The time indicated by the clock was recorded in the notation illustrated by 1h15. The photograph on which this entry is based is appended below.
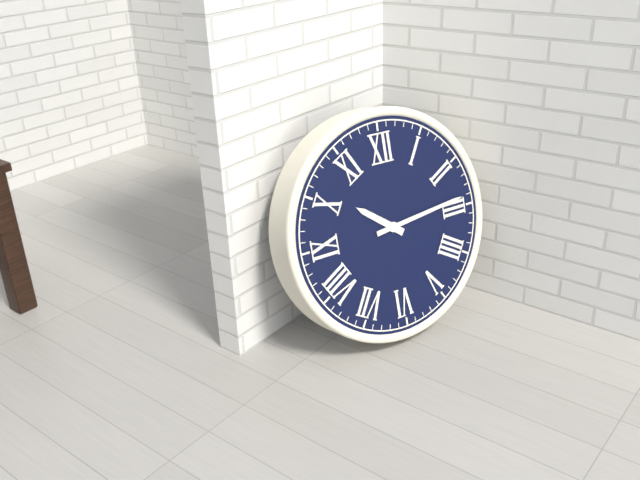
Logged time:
10h14
